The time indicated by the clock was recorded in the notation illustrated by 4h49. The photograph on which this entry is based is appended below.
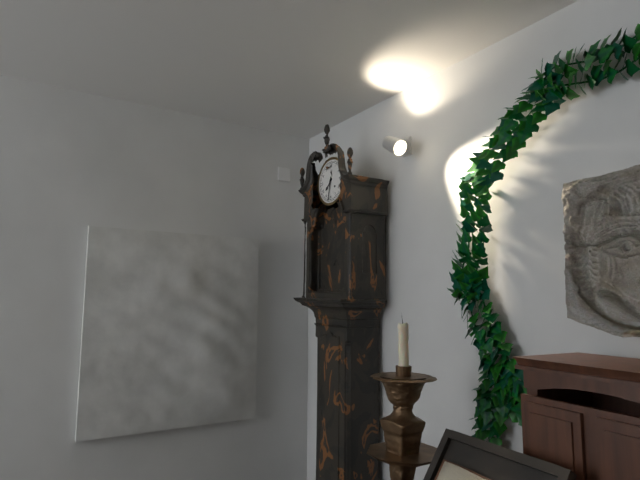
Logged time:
7h32
